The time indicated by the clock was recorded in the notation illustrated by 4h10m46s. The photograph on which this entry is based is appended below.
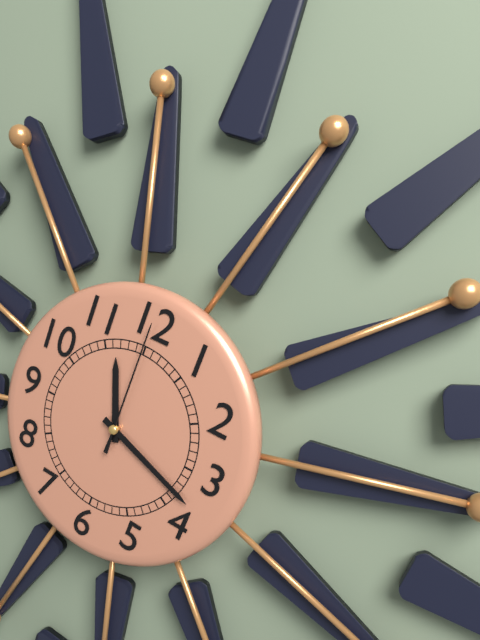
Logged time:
11h18m00s
